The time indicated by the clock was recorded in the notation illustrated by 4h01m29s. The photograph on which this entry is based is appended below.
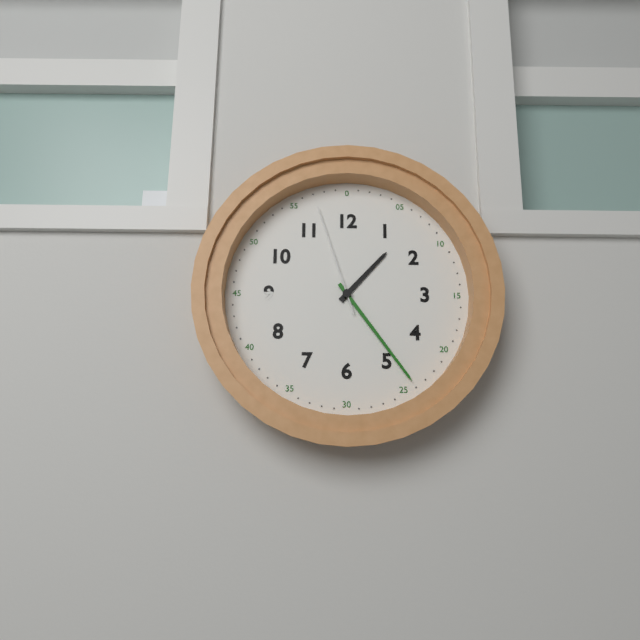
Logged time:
1h24m57s
